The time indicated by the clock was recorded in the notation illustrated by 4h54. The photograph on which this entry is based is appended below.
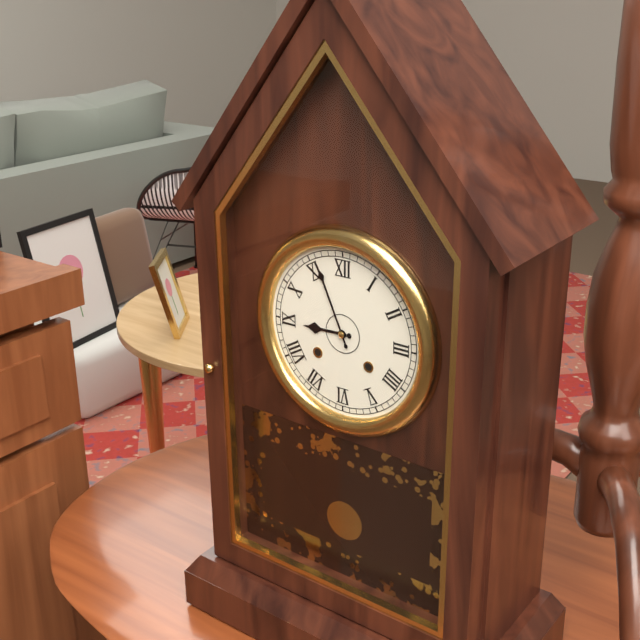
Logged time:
8h56
